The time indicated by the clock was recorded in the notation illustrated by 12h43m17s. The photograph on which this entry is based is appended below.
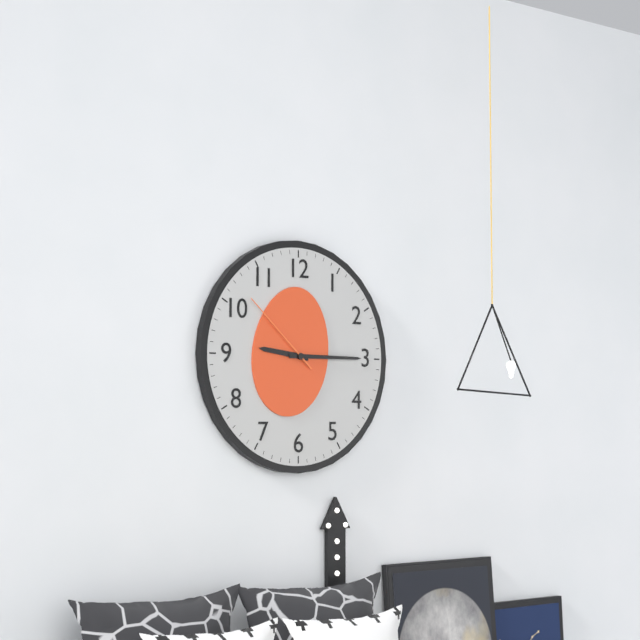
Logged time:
9h15m52s
